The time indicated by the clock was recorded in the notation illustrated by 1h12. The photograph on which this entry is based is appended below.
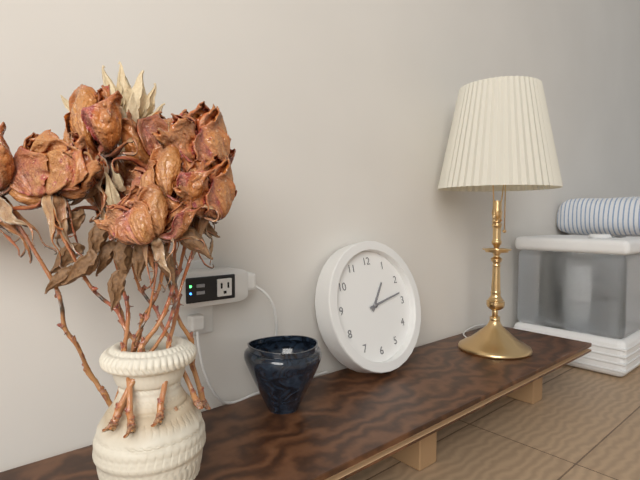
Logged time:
1h13
